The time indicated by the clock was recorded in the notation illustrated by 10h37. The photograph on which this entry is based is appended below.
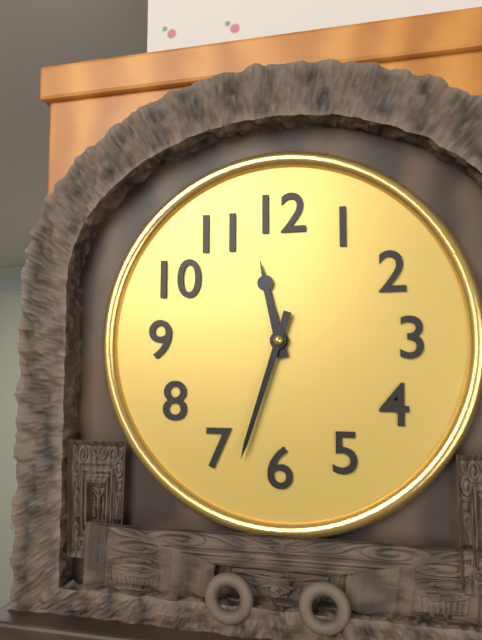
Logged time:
11h33
